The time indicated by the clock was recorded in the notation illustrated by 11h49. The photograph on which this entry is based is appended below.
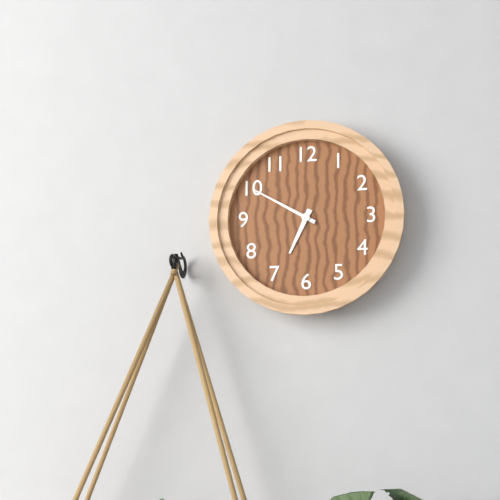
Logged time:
6h50
